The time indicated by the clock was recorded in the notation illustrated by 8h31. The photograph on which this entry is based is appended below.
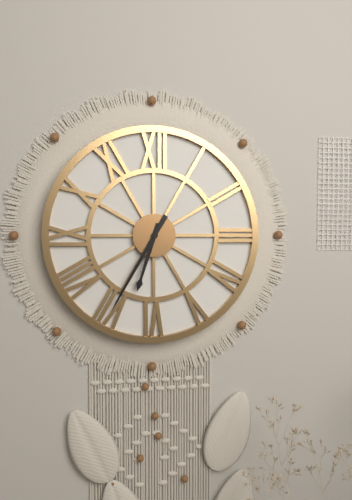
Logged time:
6h35
